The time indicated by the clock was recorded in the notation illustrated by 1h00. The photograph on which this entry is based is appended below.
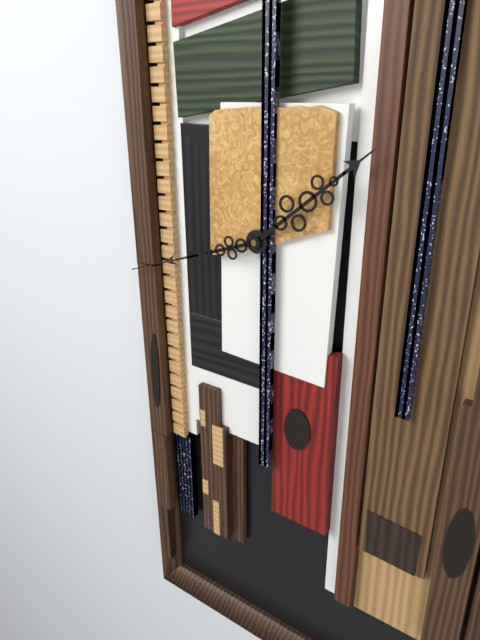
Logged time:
1h42
